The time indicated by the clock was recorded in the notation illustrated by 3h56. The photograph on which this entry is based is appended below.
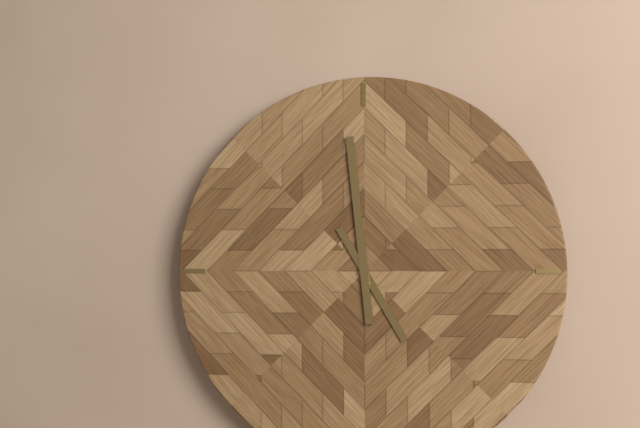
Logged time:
4h59
